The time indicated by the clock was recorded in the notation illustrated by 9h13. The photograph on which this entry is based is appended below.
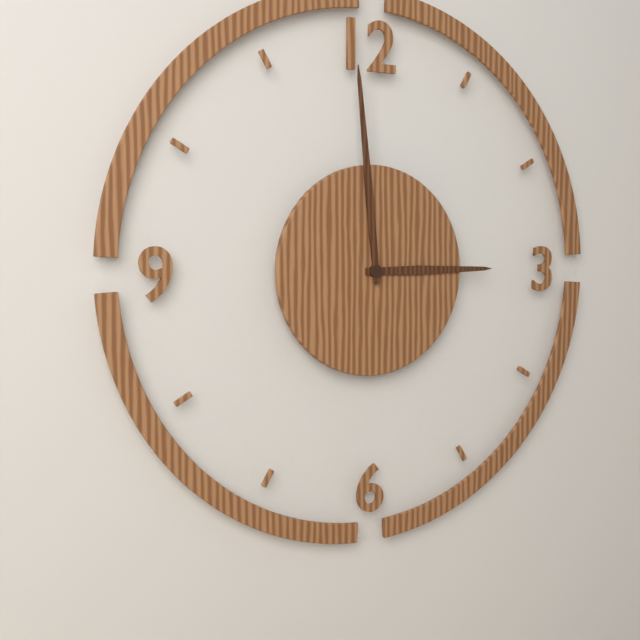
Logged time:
2h59
